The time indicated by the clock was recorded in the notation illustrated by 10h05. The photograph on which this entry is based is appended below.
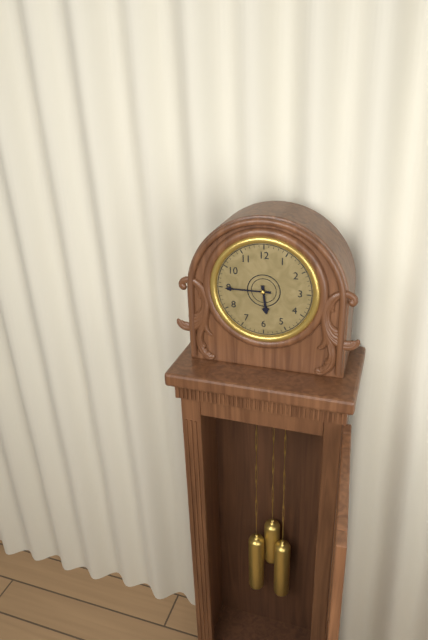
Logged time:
5h45
